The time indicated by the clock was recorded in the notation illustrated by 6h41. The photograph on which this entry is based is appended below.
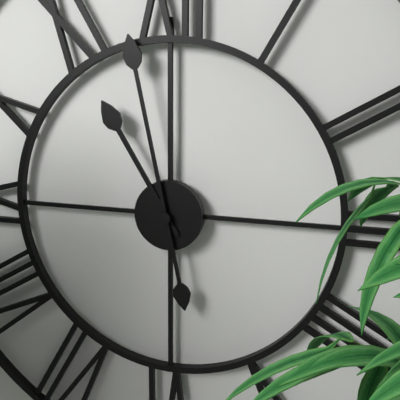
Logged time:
10h58
